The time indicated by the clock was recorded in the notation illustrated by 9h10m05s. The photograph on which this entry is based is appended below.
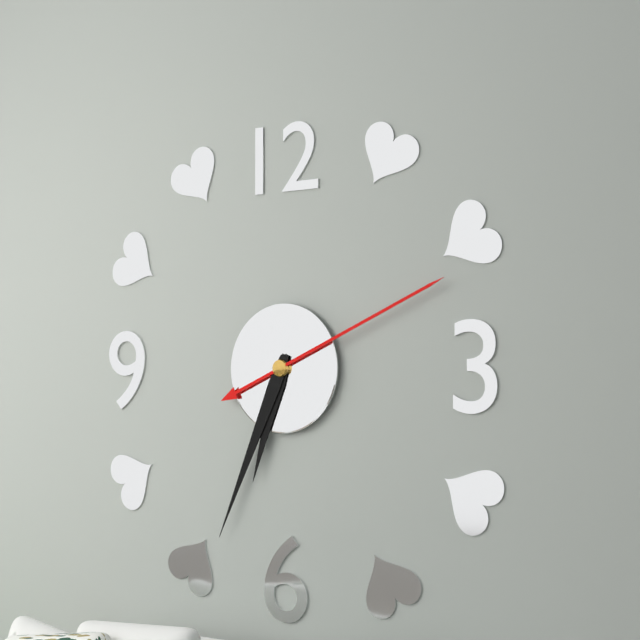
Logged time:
6h34m11s
